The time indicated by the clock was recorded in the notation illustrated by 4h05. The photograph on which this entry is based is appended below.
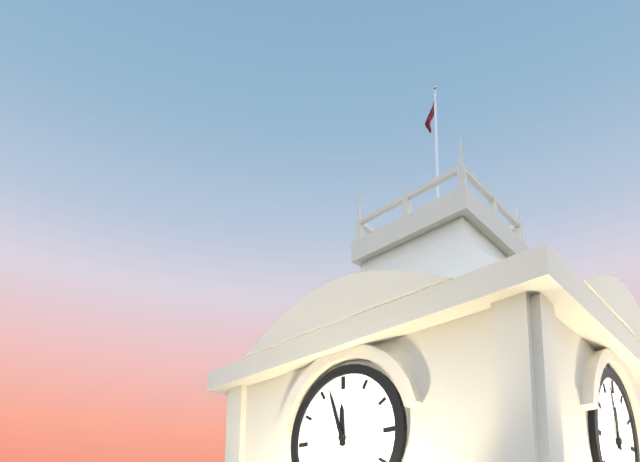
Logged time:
11h57
